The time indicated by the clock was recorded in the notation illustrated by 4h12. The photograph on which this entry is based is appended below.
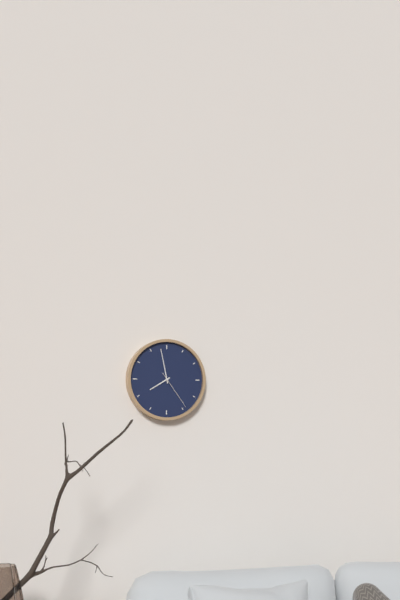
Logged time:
7h58
